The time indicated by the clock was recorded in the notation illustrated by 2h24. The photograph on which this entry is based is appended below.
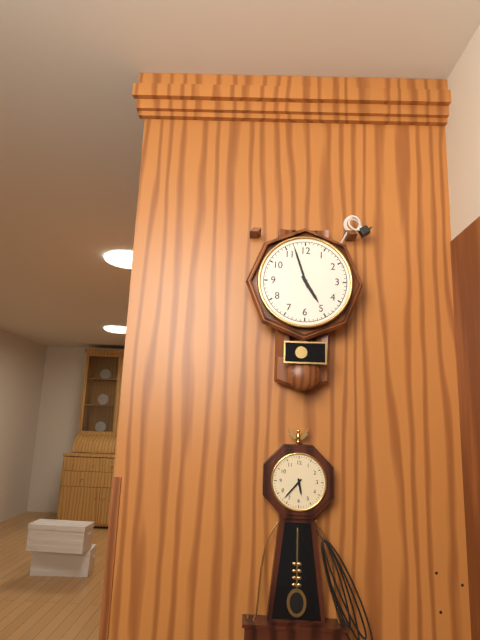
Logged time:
4h57
